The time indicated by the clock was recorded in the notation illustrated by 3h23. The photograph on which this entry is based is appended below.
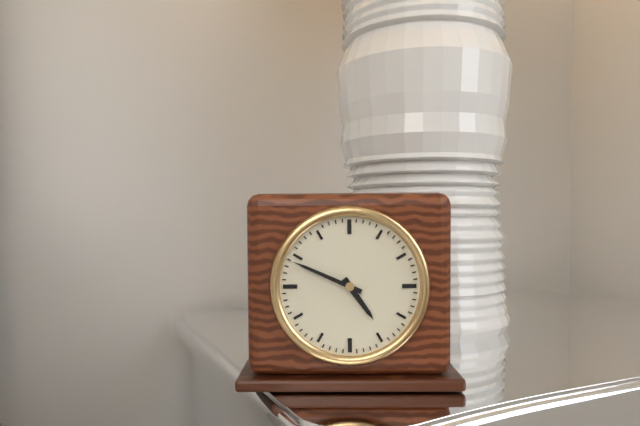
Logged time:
4h49
